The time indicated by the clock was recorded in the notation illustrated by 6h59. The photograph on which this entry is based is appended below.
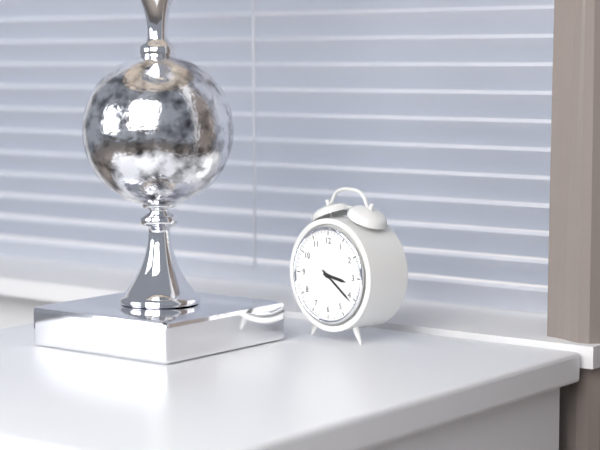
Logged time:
3h21
